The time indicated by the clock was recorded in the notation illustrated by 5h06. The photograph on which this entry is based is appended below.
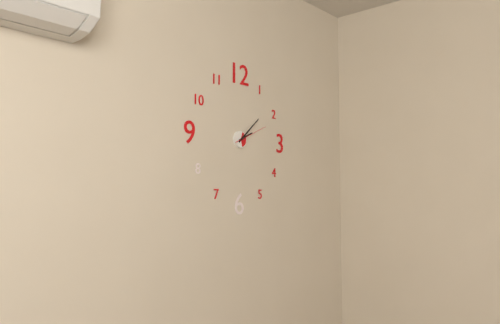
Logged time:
2h08
